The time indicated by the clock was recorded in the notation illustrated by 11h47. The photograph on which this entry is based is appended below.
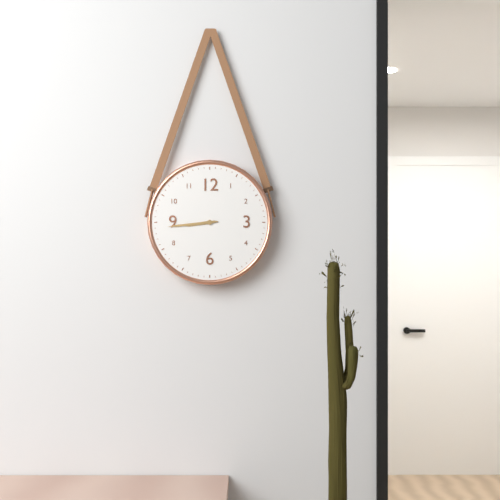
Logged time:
8h44
